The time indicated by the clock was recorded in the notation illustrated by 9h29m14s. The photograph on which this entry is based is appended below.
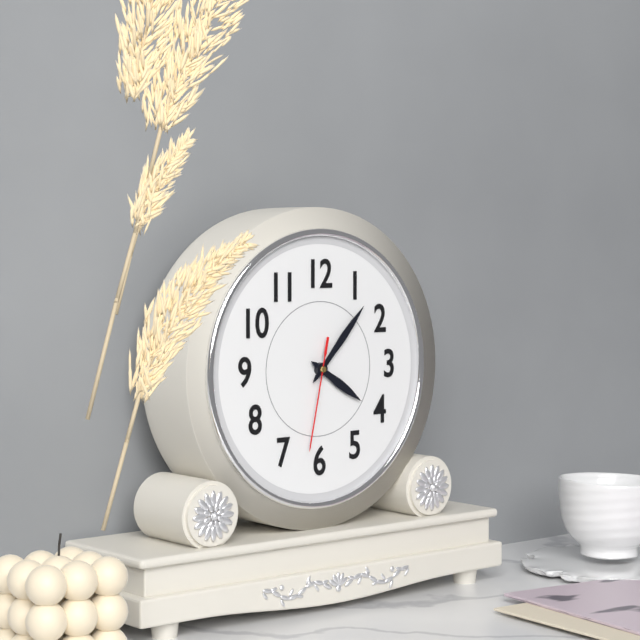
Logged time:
4h07m32s
